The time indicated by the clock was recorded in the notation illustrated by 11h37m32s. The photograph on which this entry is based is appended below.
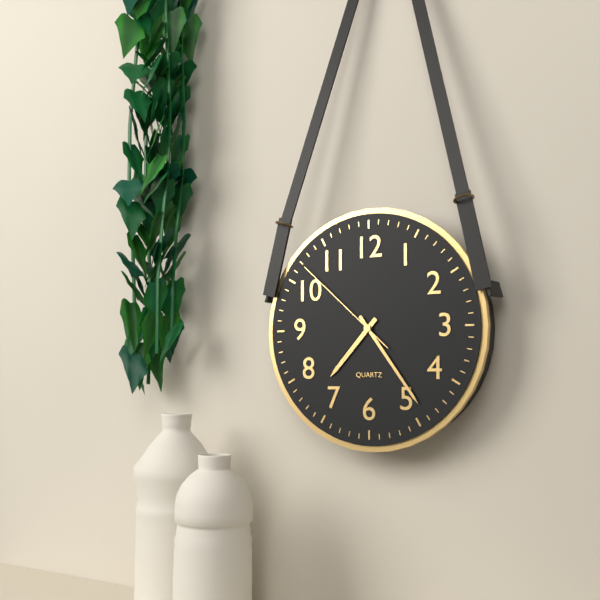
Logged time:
7h24m52s
